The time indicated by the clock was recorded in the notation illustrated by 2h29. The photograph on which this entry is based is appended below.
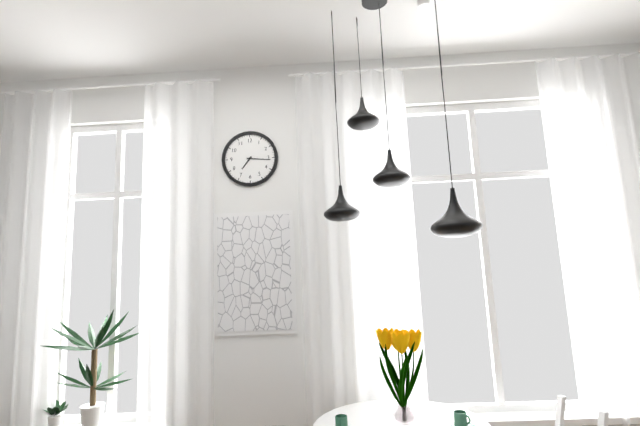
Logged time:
7h16
